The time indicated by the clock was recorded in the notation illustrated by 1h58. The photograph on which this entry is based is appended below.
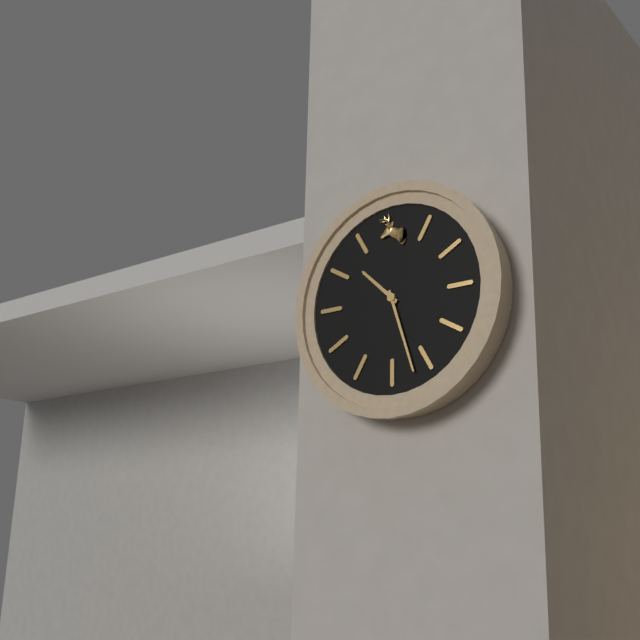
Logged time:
10h27
